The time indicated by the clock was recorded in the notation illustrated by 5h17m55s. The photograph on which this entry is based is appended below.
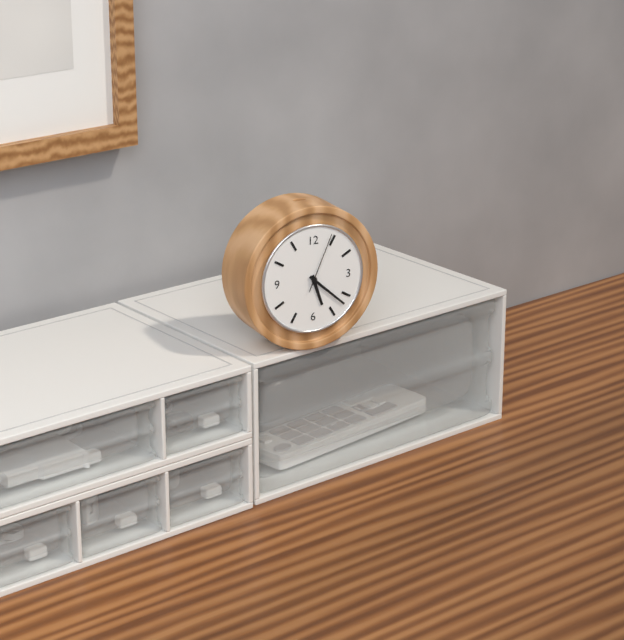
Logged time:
5h22m04s
